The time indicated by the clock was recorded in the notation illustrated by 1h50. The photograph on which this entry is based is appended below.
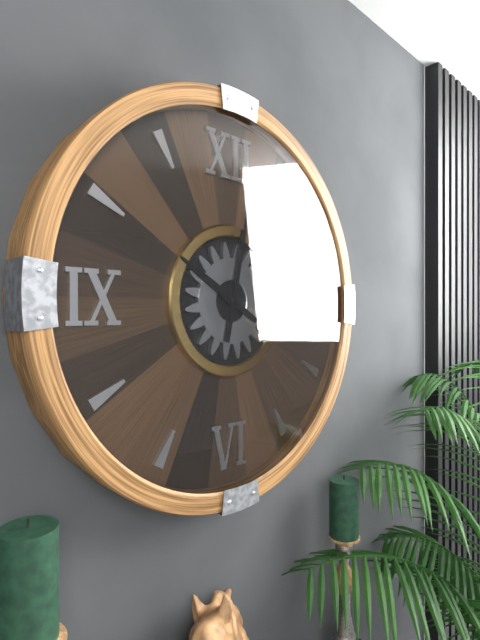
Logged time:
10h02
